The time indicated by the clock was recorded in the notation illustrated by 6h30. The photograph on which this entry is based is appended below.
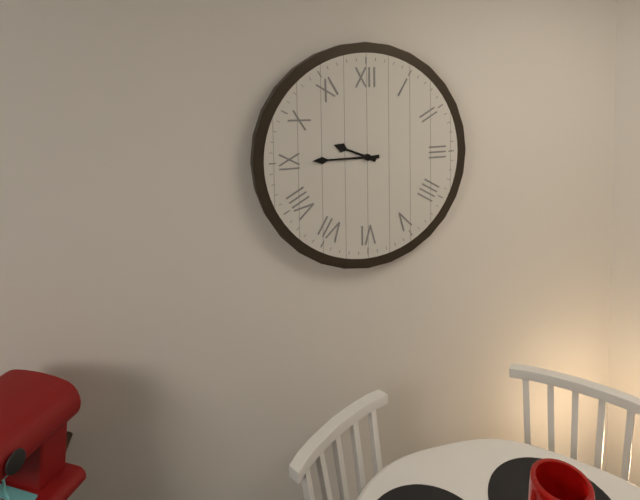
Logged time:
9h45
